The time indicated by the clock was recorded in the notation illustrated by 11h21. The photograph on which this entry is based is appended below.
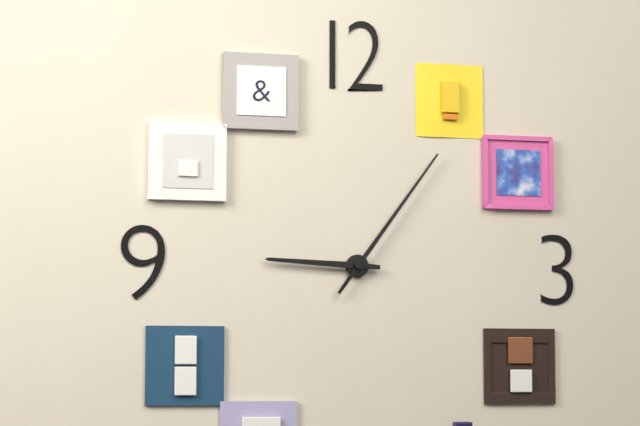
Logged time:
9h06
